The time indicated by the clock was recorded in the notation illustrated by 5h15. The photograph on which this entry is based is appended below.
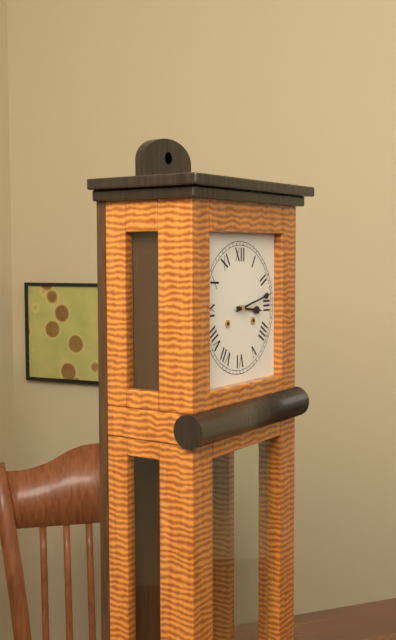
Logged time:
3h13
